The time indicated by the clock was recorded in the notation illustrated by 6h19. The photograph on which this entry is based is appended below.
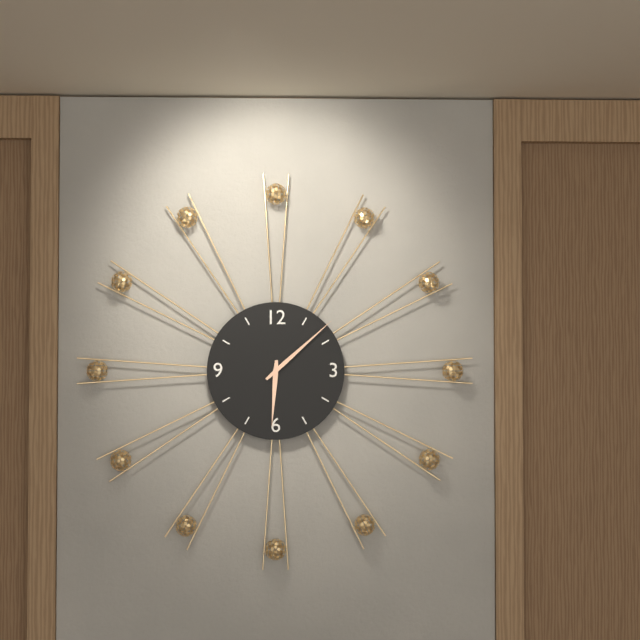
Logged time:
6h08
